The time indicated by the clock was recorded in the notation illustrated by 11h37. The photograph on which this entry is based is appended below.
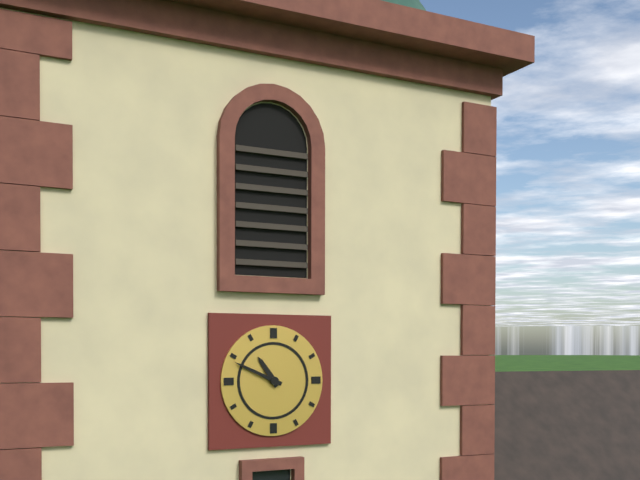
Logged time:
10h49
